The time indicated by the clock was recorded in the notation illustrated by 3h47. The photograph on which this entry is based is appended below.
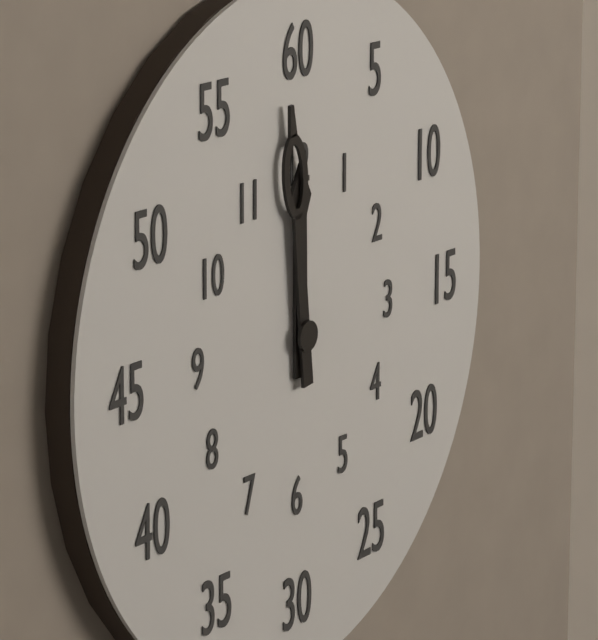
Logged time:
11h59
